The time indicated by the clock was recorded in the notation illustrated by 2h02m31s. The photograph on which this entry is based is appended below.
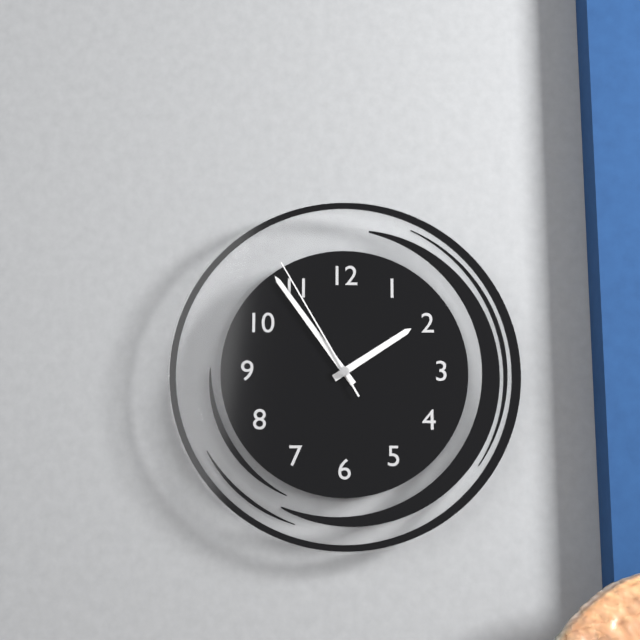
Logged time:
1h54m55s
